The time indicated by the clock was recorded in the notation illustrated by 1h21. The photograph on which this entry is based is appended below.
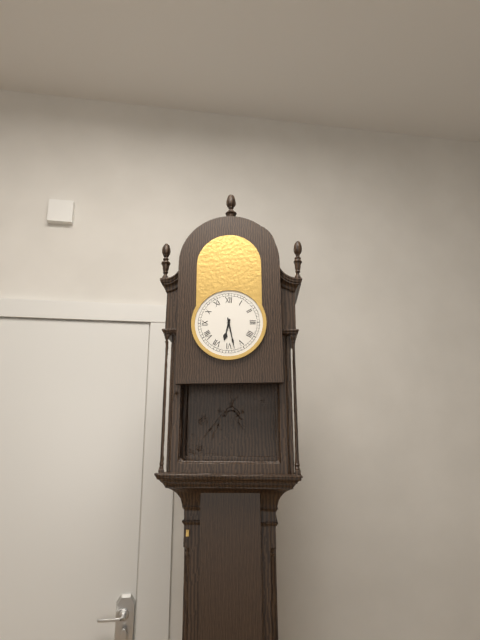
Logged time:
6h28
